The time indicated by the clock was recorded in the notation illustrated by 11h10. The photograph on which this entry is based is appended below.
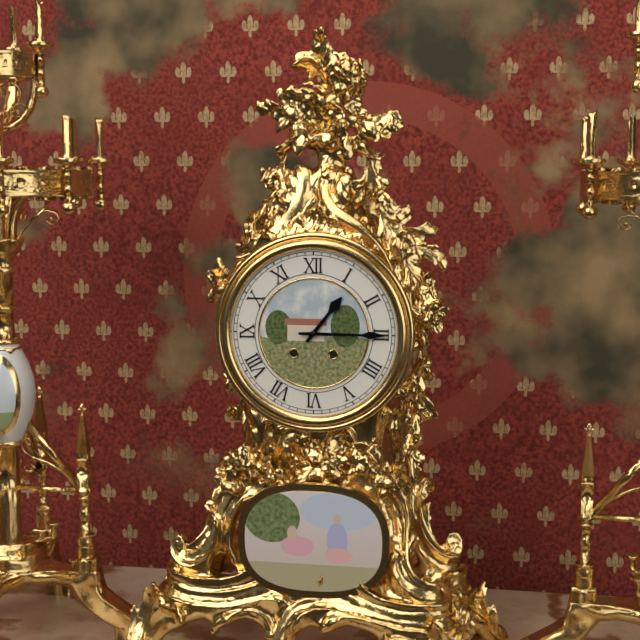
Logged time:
1h15
